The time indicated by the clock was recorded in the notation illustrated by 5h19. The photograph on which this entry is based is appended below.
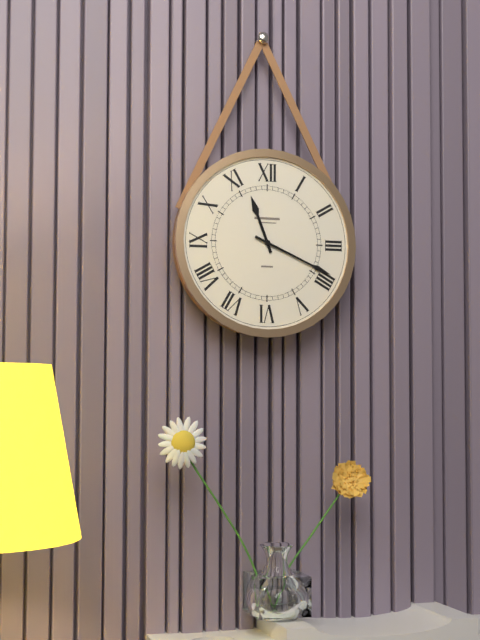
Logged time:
11h19
